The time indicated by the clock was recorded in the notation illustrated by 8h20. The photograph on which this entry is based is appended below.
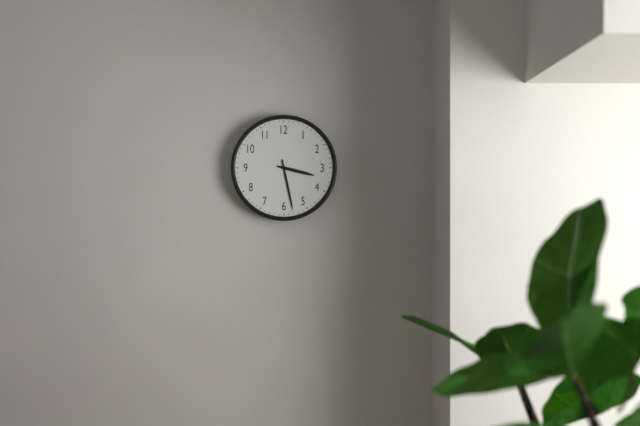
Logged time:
3h28
